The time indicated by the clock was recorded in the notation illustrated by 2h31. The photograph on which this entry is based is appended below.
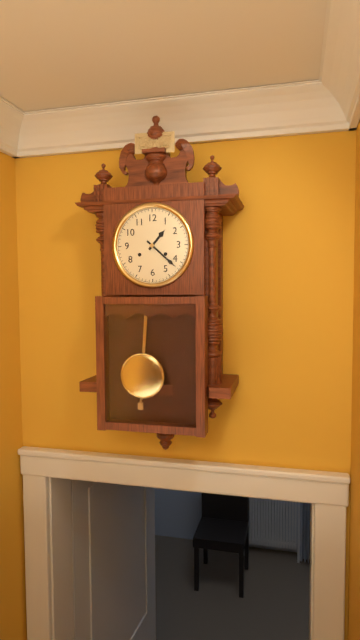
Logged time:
1h22
